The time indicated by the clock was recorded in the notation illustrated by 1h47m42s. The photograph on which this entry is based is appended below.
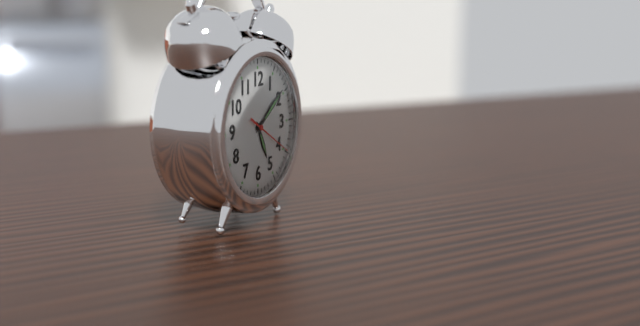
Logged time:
5h09m20s
